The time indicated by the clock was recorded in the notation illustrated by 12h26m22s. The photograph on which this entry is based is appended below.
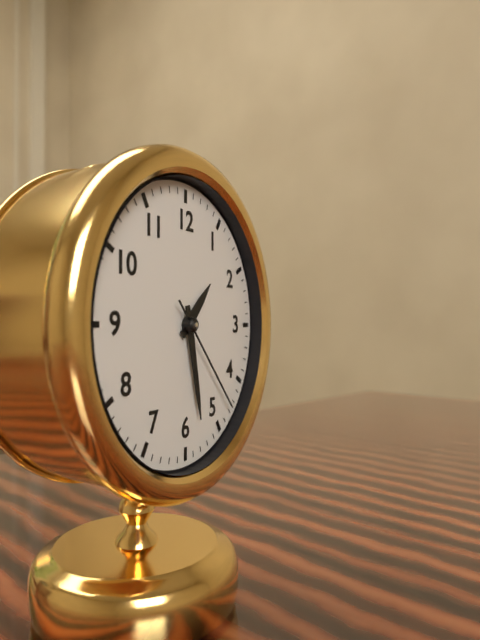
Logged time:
1h28m23s
